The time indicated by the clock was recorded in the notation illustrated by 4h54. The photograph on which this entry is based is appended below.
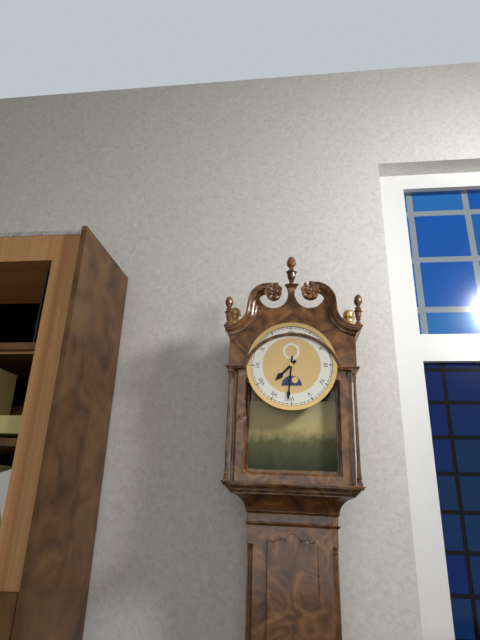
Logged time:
7h31
